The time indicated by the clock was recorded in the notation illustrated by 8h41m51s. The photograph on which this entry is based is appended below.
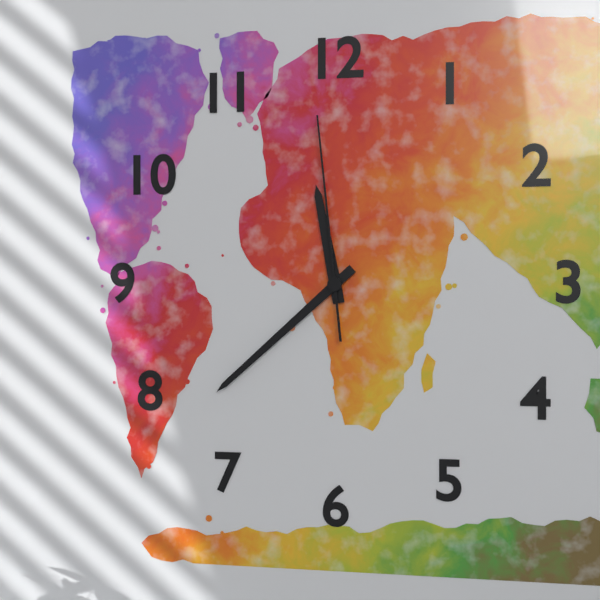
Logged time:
11h38m59s
